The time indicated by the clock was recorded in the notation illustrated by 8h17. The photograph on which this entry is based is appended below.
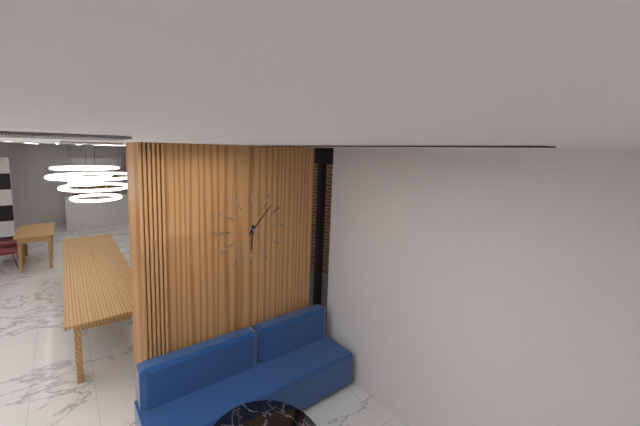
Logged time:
6h07
